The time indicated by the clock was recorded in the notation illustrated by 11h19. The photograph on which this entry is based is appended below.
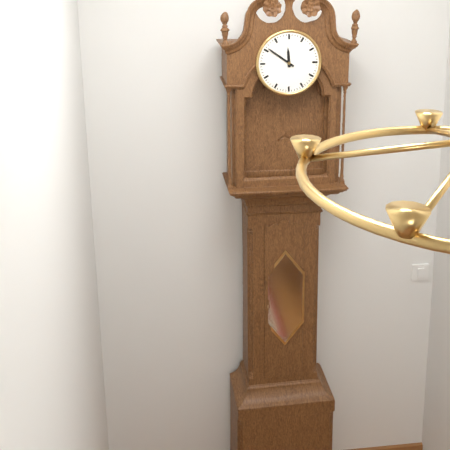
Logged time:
11h51
